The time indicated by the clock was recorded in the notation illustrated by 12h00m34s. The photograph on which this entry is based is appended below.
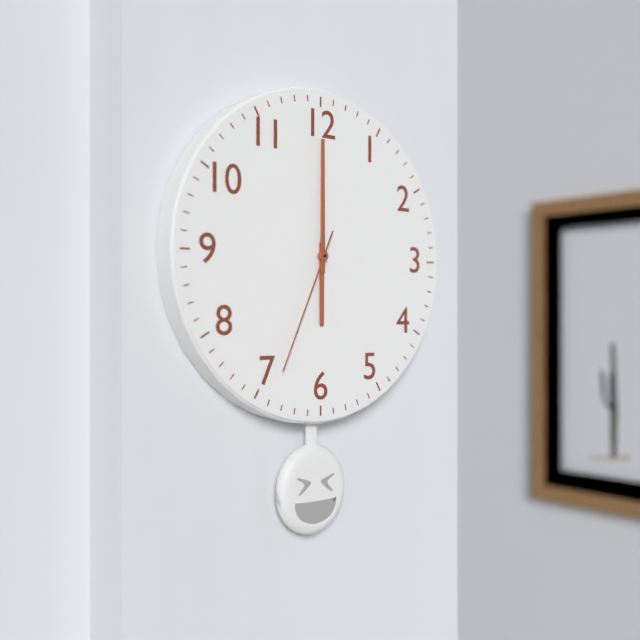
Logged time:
6h00m34s
